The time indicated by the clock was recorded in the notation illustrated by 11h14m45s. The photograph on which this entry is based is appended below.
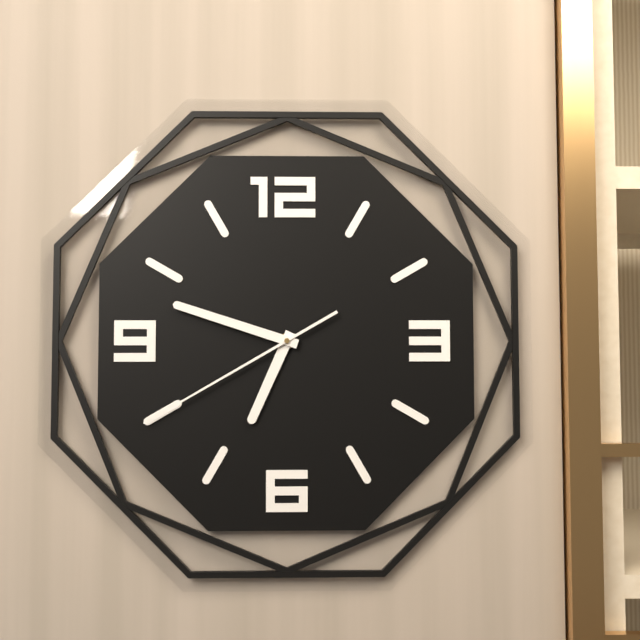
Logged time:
6h48m40s
